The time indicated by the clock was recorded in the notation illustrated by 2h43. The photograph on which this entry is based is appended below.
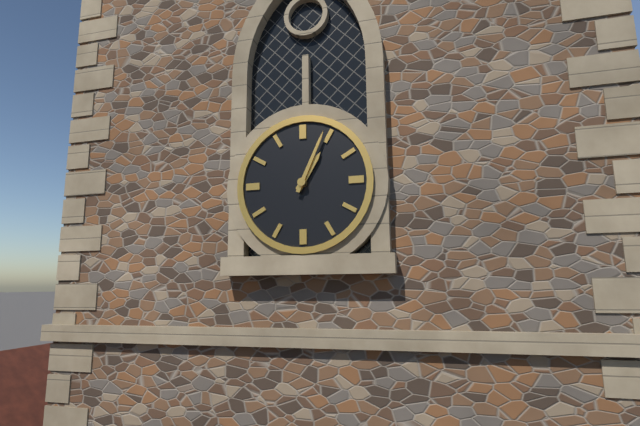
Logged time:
1h04
